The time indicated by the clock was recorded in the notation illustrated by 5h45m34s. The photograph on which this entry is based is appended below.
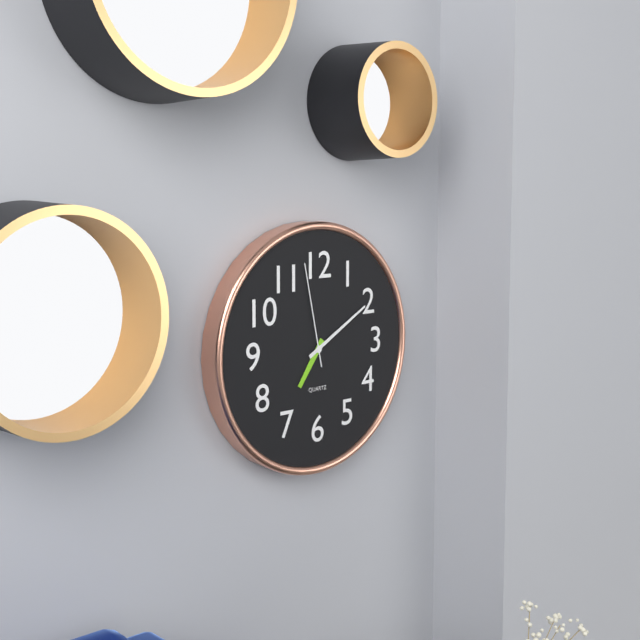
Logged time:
7h10m58s
